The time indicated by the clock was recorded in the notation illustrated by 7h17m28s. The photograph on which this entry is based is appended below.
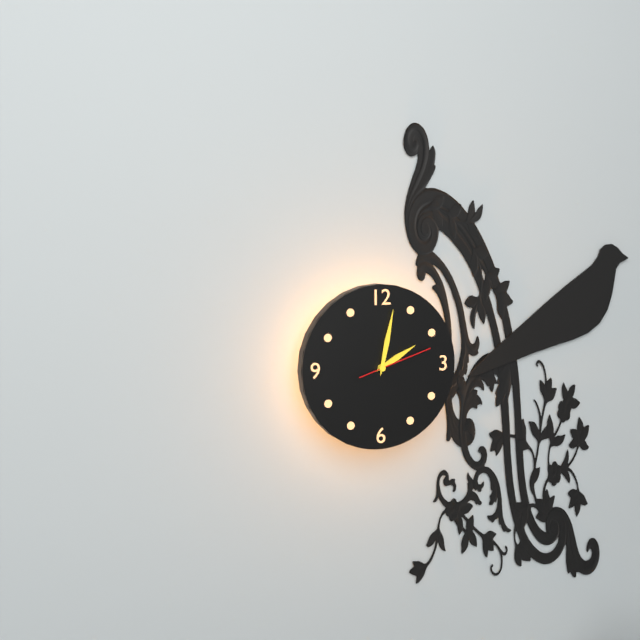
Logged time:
2h02m12s
